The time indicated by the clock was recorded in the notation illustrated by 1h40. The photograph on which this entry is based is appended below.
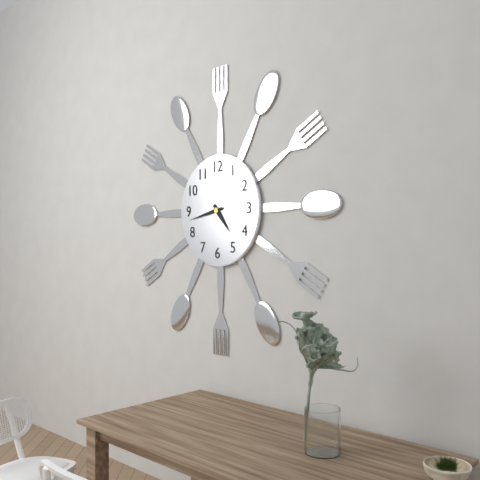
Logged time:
4h43
